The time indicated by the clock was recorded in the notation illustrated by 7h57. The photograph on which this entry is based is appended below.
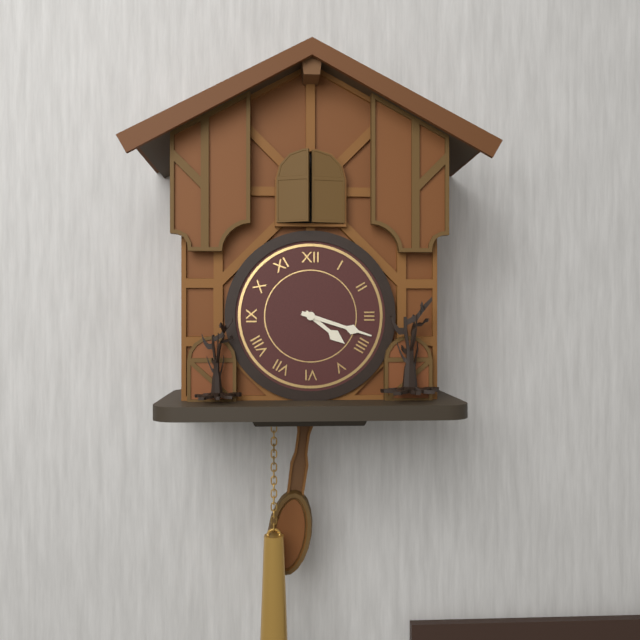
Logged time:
4h18
